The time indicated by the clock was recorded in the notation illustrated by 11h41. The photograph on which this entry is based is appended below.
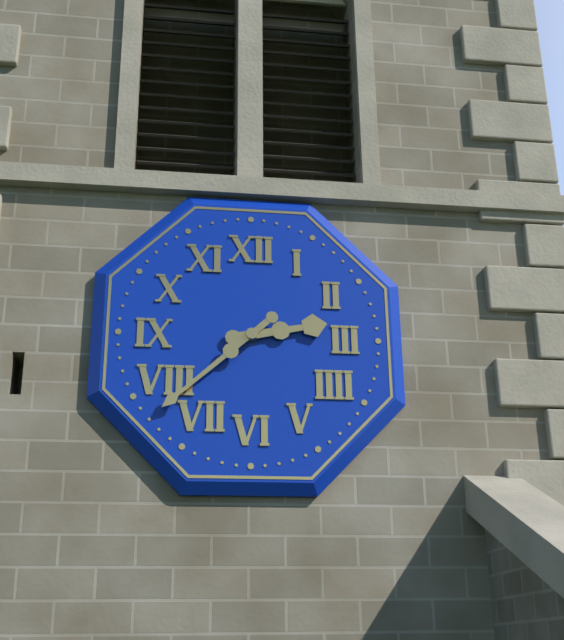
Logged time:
2h38
